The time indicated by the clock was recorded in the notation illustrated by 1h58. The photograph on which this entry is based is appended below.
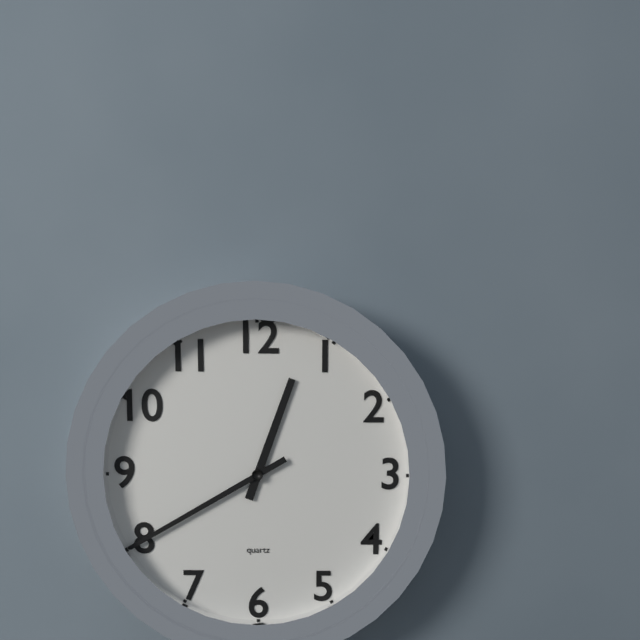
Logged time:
12h40
